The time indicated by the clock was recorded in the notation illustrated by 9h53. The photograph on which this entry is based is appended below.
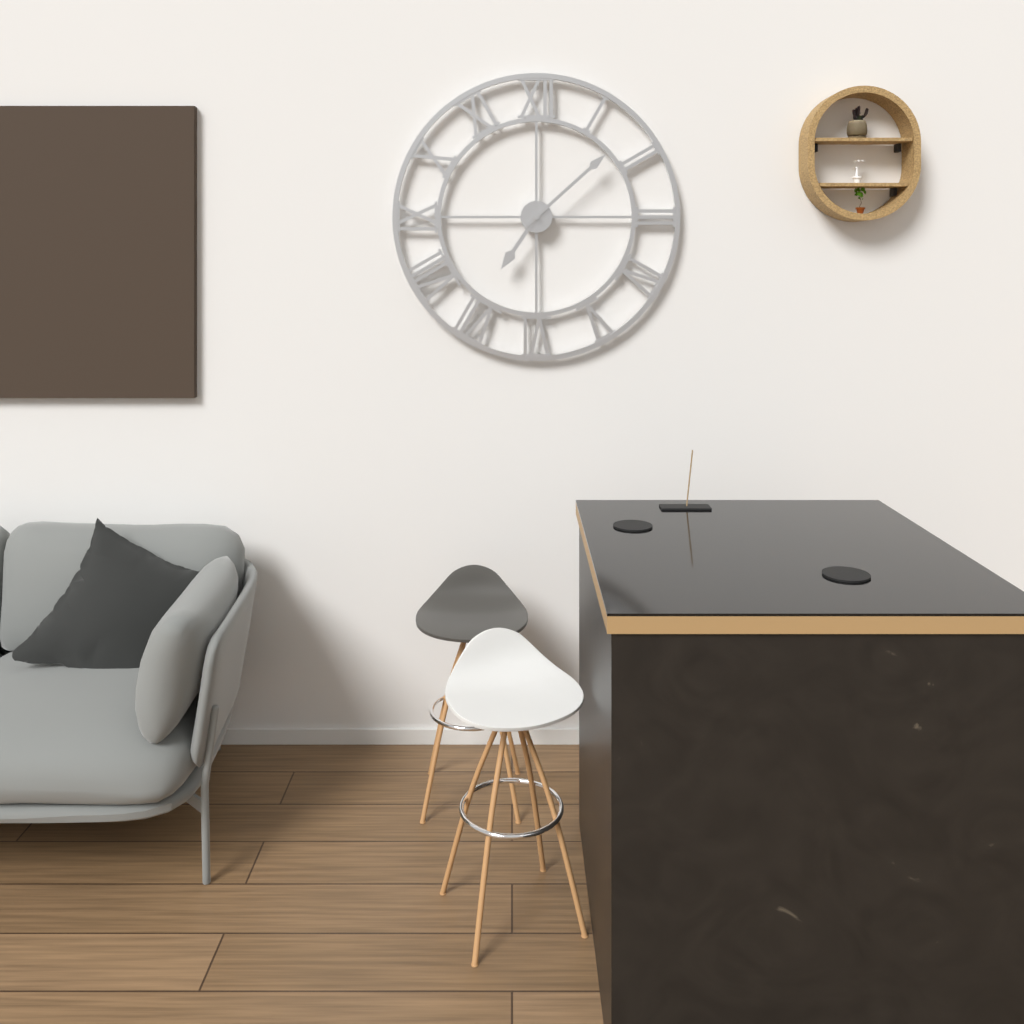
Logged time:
7h08
